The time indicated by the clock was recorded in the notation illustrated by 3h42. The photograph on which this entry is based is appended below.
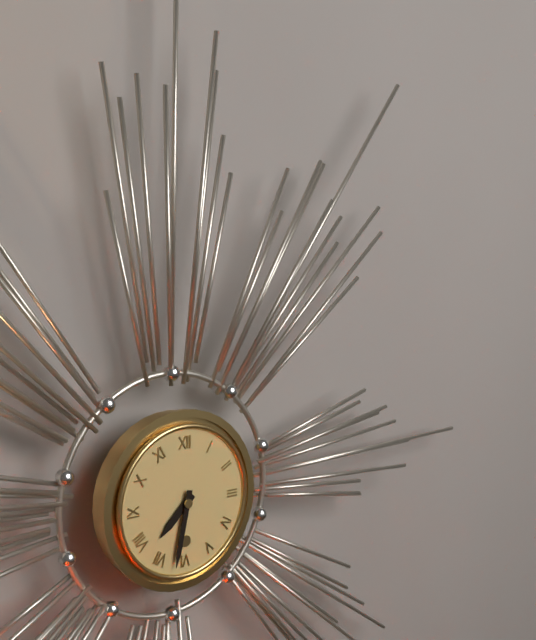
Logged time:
7h32
